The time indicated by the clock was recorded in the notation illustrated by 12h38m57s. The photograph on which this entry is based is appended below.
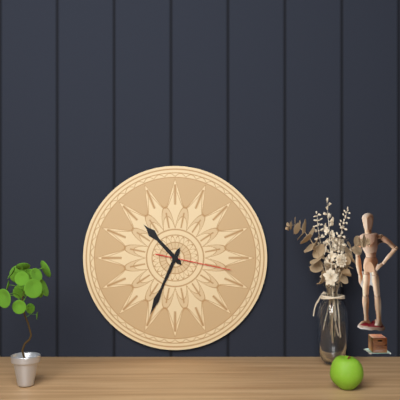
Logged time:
10h34m17s
